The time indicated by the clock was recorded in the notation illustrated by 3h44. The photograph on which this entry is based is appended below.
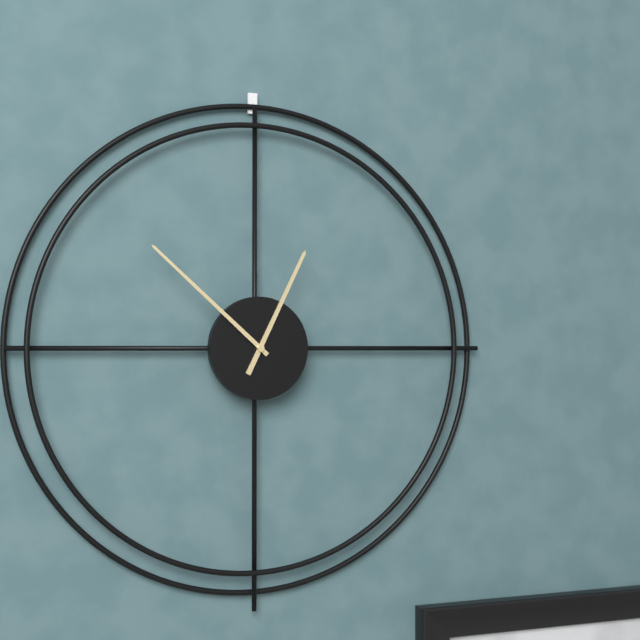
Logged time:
12h52
